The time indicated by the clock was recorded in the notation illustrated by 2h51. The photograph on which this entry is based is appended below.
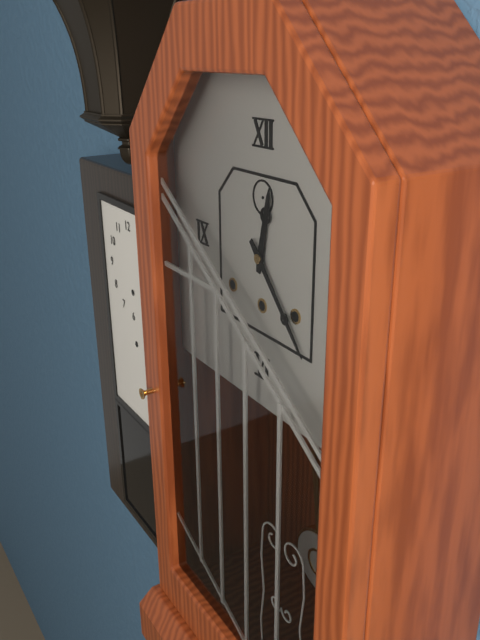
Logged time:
12h23
